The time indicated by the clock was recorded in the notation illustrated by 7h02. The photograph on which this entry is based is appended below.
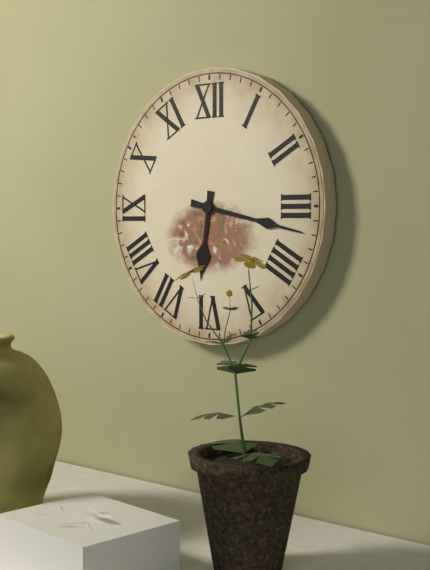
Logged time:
6h17
